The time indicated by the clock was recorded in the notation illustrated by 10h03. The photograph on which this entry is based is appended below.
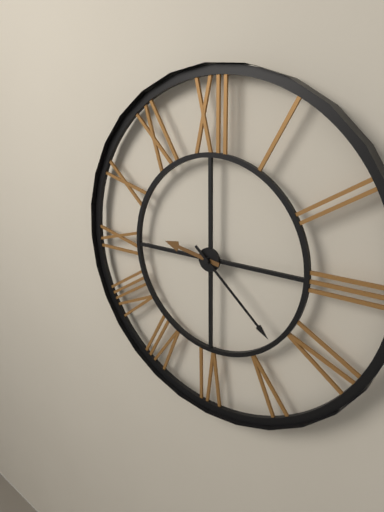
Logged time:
9h22
